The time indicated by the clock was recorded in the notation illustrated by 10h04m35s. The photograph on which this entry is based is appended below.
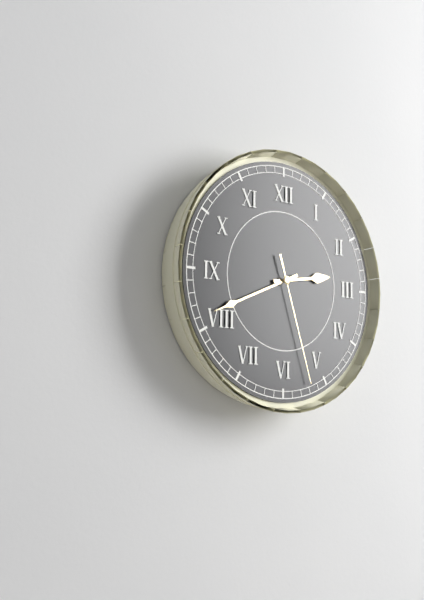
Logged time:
2h41m27s
